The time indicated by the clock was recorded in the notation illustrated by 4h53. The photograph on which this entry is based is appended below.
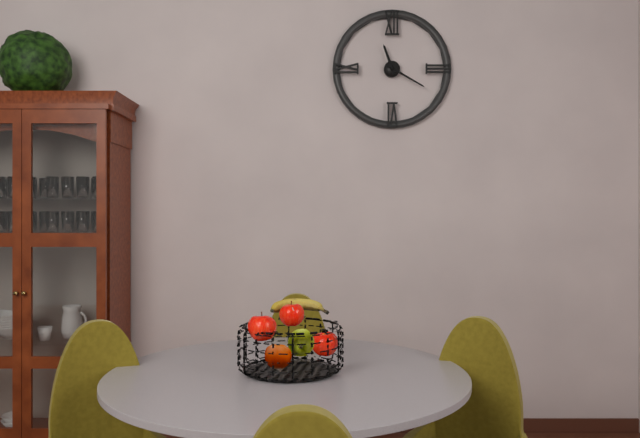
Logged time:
11h20
